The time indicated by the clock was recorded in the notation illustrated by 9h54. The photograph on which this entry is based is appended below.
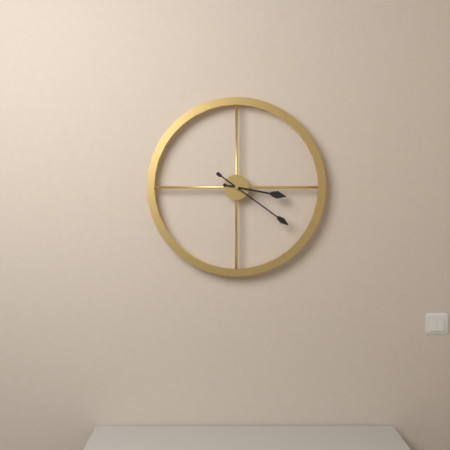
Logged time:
3h21
